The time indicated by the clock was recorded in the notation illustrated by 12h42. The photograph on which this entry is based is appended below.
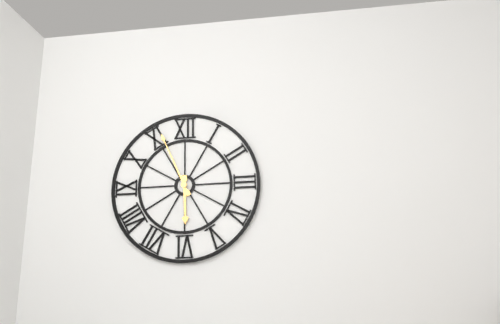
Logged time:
5h56
